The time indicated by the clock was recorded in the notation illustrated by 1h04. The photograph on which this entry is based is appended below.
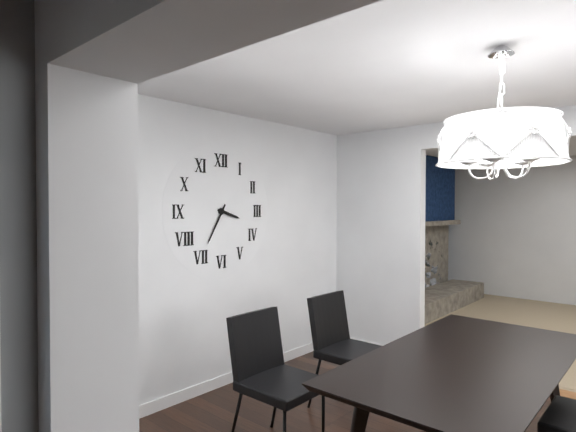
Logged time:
3h35
